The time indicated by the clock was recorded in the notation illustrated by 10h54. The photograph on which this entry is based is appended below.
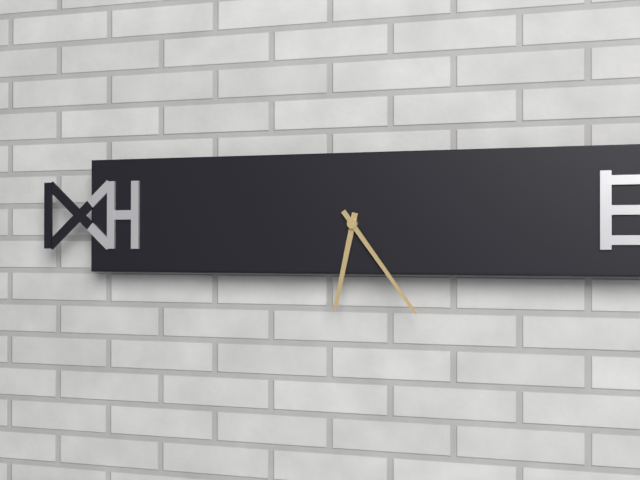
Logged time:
6h24
